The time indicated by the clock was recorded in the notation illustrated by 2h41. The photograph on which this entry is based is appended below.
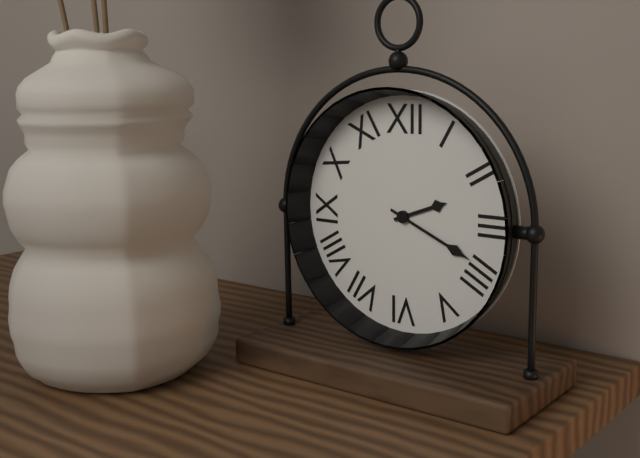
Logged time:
2h19
